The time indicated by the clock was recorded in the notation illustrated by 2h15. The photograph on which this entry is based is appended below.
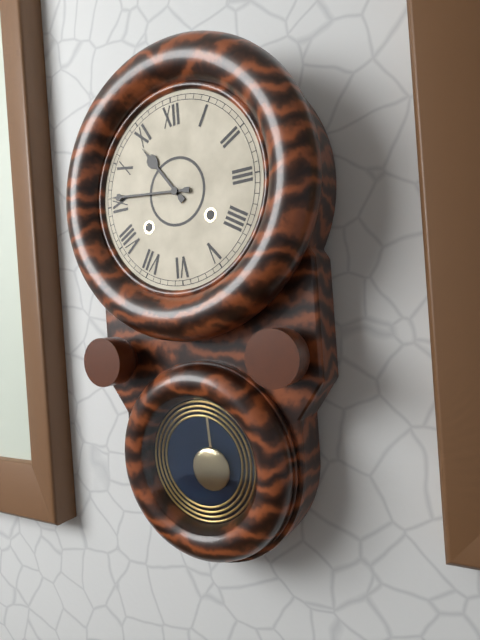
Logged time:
10h46
